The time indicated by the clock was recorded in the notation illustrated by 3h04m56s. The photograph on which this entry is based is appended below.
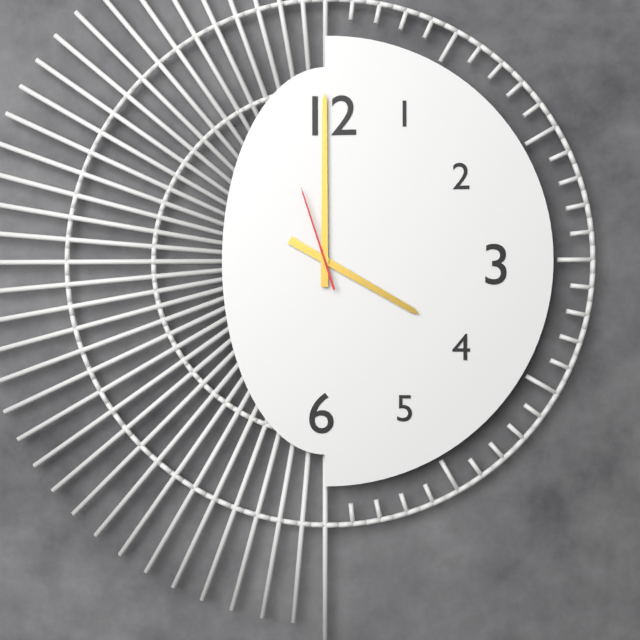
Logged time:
4h00m57s
